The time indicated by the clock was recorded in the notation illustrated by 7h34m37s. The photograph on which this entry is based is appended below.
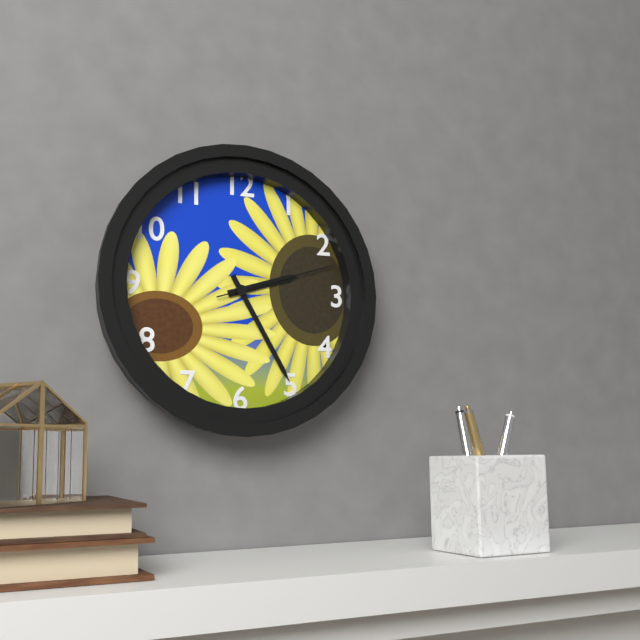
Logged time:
2h25m12s
